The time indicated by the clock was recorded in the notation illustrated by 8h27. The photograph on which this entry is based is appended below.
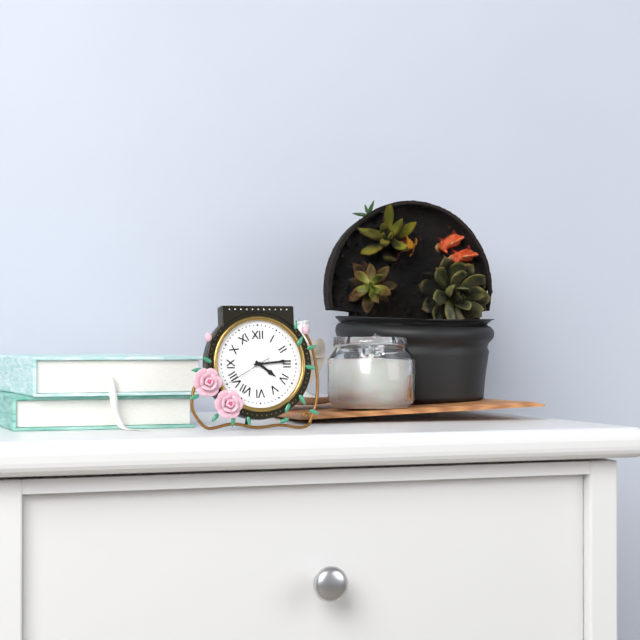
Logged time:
4h14
